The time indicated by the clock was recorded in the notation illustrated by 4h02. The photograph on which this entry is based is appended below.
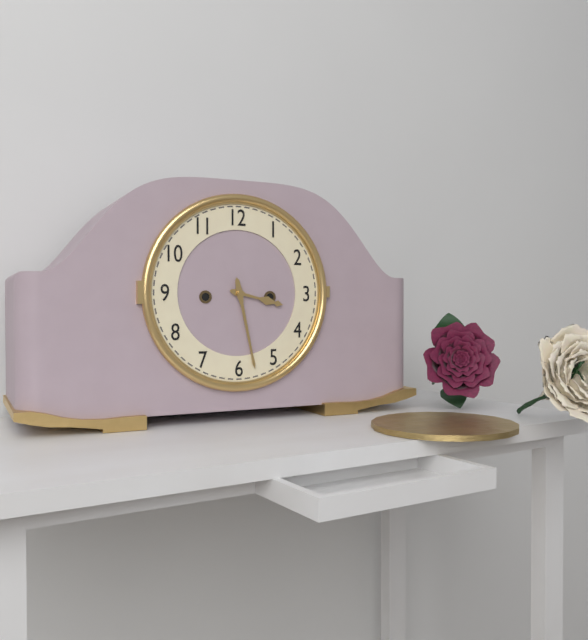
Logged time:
3h28
